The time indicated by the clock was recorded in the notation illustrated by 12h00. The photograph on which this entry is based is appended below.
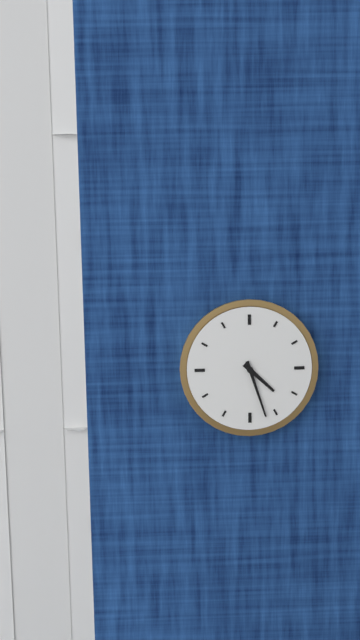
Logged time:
4h27
